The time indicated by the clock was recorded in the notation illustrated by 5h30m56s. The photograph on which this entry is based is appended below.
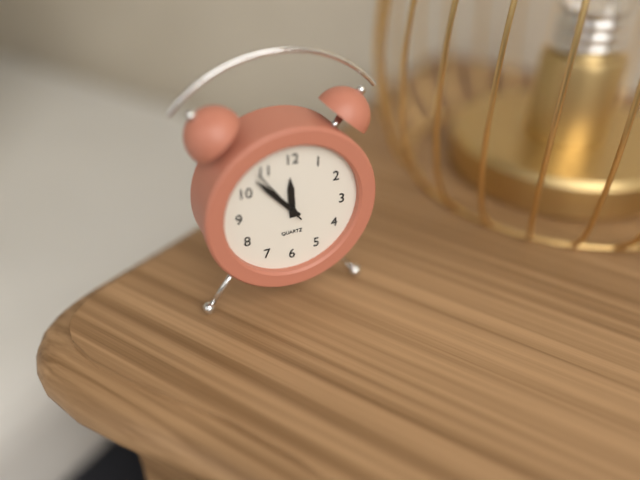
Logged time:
11h53m54s
